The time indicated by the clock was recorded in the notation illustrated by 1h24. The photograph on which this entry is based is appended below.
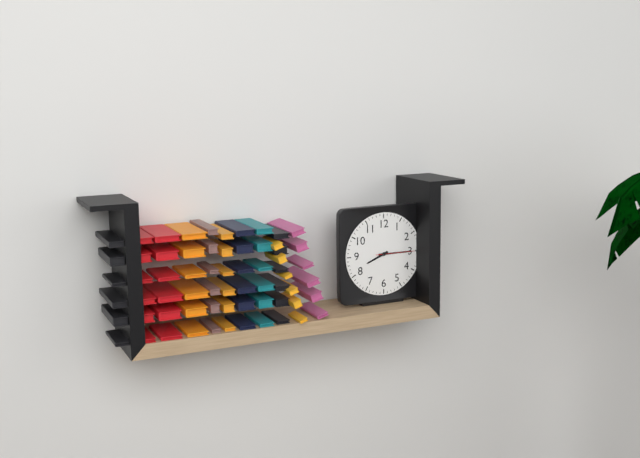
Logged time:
8h15
